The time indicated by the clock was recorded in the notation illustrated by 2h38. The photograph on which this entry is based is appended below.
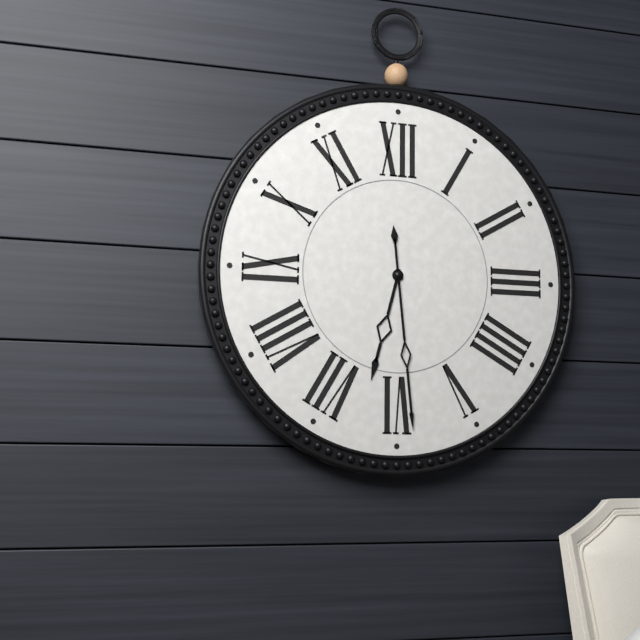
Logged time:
6h29
